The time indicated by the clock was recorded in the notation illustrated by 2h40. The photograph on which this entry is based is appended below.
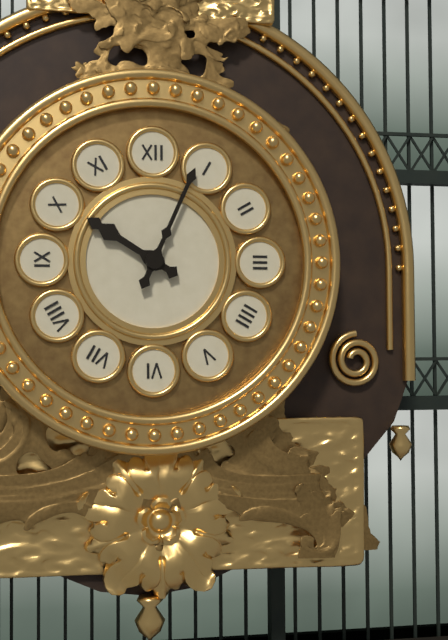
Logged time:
10h04
